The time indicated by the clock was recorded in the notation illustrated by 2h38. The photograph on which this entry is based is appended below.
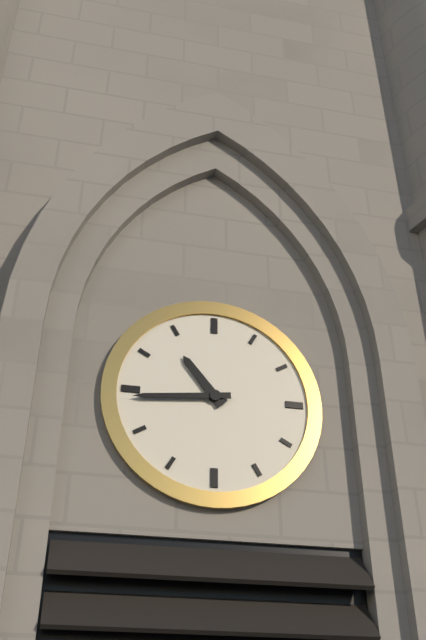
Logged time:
10h44
